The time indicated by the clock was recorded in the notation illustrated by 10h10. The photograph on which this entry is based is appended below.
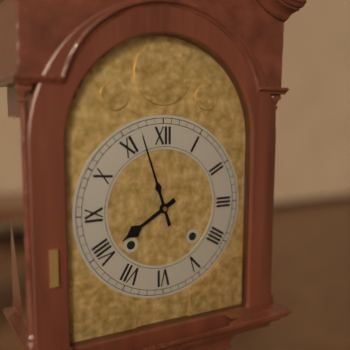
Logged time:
7h57
